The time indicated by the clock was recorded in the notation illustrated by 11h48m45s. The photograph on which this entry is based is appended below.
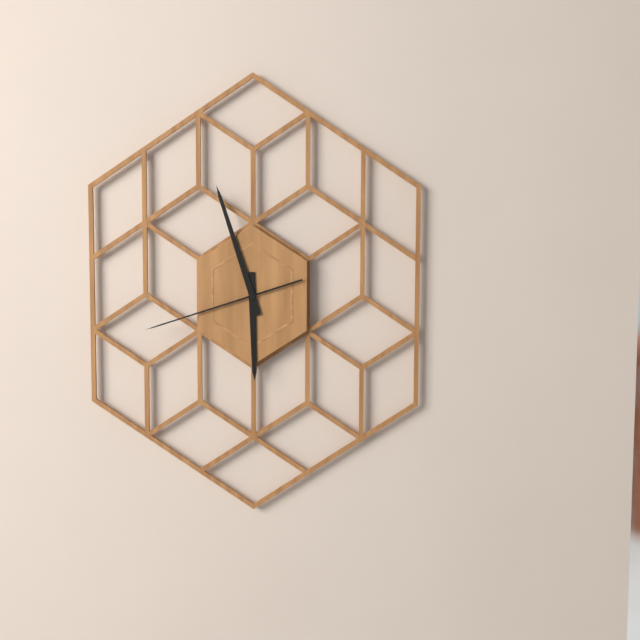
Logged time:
5h57m42s
